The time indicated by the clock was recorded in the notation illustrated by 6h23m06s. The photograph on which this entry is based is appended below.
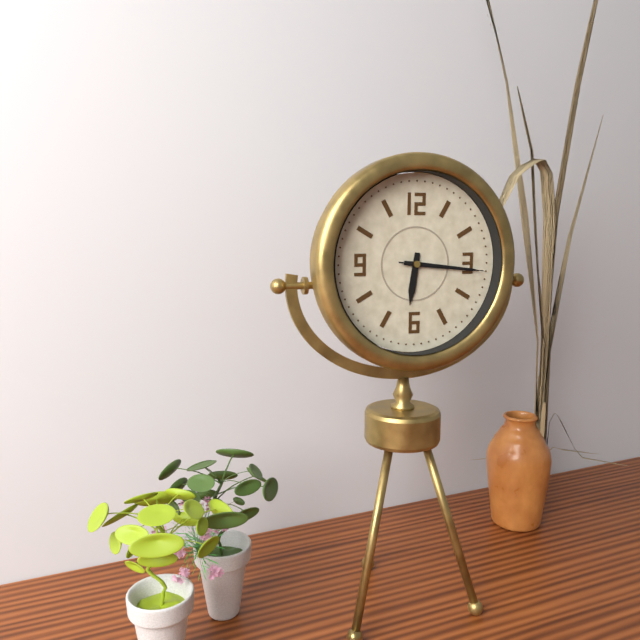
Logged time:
6h16m16s
